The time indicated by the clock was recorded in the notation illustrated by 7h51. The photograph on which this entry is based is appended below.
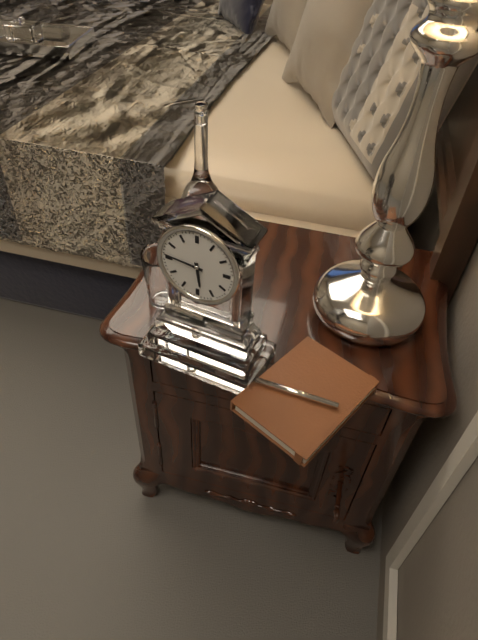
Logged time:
5h46
